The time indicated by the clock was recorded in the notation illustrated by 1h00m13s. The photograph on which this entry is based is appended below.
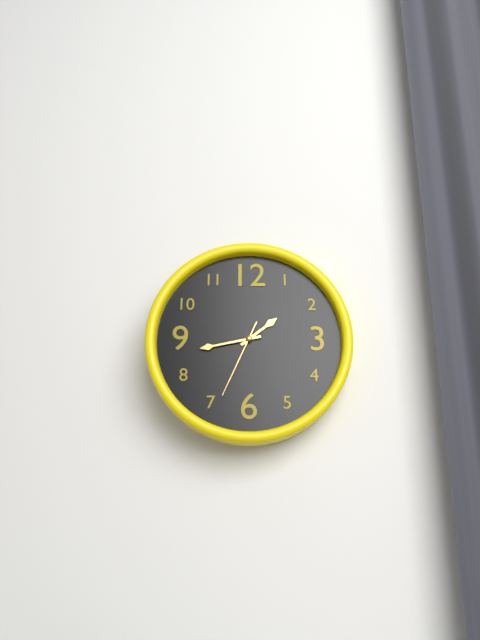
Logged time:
1h43m34s
